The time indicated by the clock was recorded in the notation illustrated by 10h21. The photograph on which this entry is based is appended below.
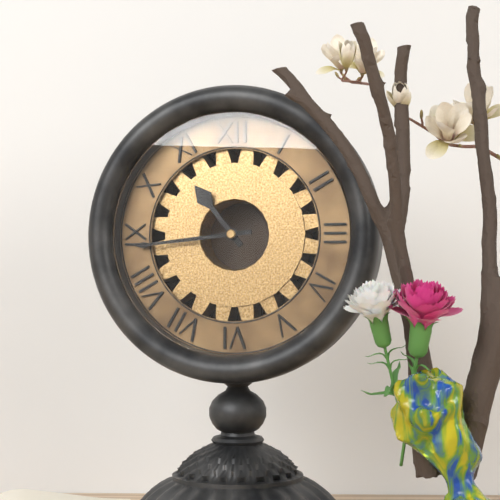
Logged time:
10h44
